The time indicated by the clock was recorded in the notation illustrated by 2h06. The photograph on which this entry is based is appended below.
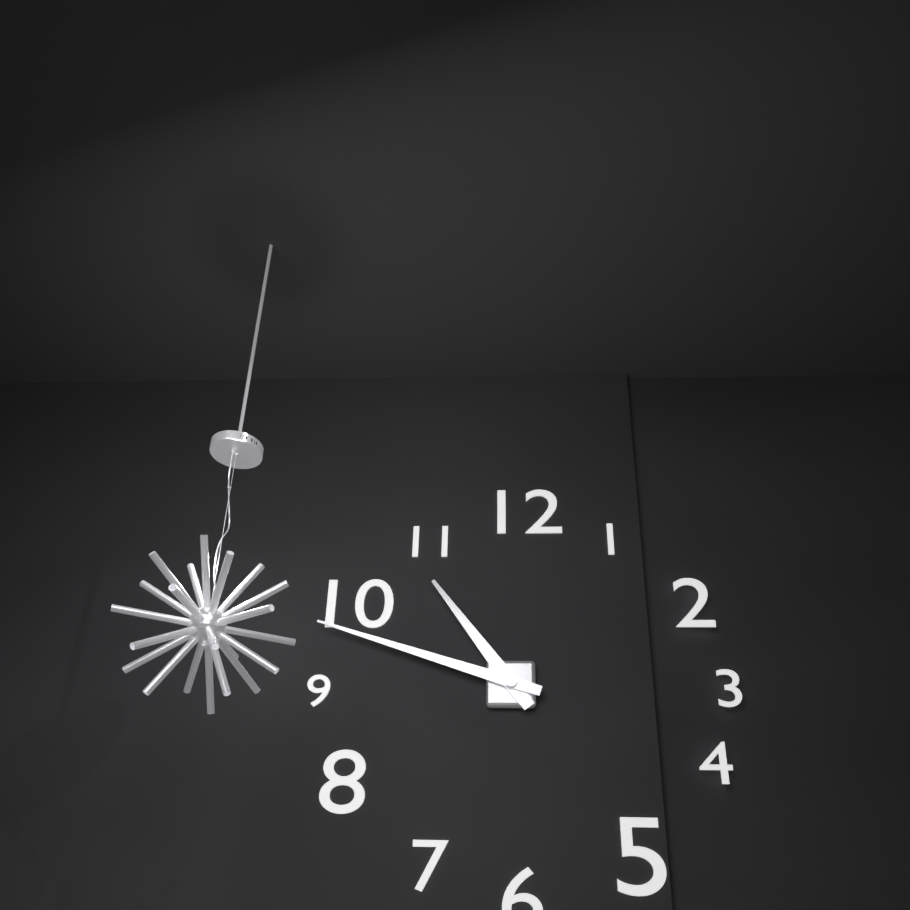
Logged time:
10h48
